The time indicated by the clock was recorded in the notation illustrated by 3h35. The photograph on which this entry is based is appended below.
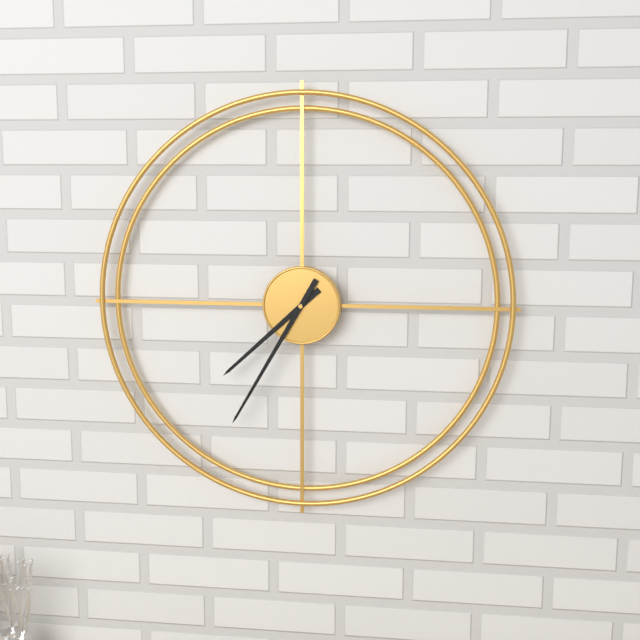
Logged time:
7h35
